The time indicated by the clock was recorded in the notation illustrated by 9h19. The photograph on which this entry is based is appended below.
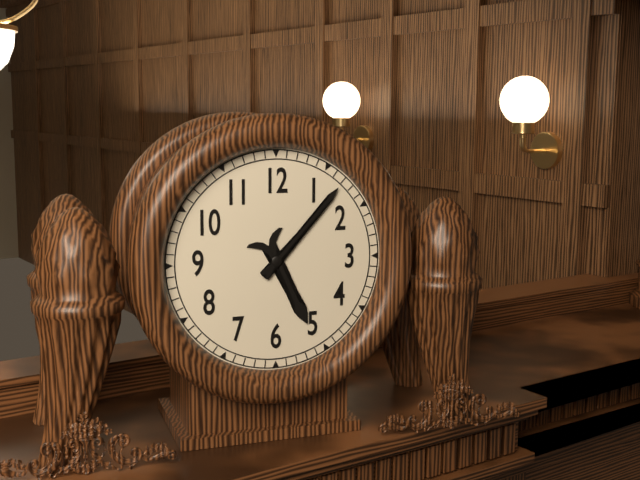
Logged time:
5h07
